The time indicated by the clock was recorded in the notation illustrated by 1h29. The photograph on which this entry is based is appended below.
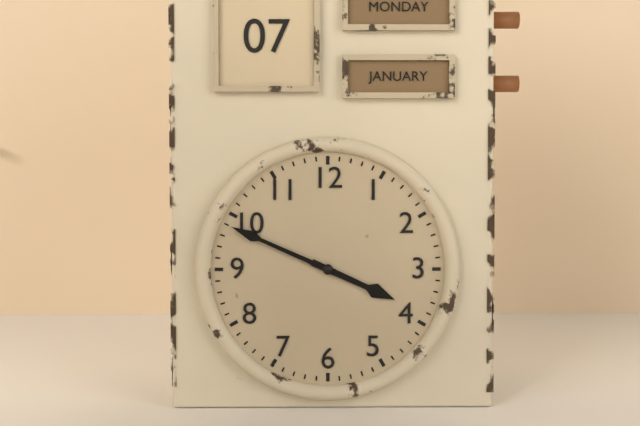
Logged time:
3h49
